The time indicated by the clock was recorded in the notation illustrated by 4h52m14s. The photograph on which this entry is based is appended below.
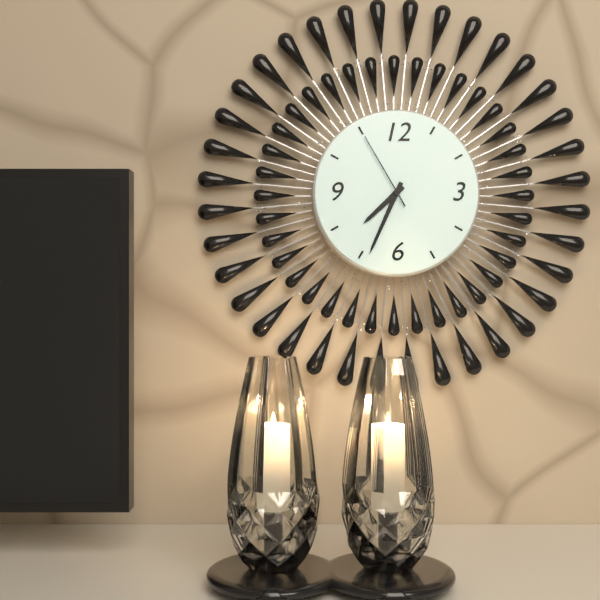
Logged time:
7h34m55s
